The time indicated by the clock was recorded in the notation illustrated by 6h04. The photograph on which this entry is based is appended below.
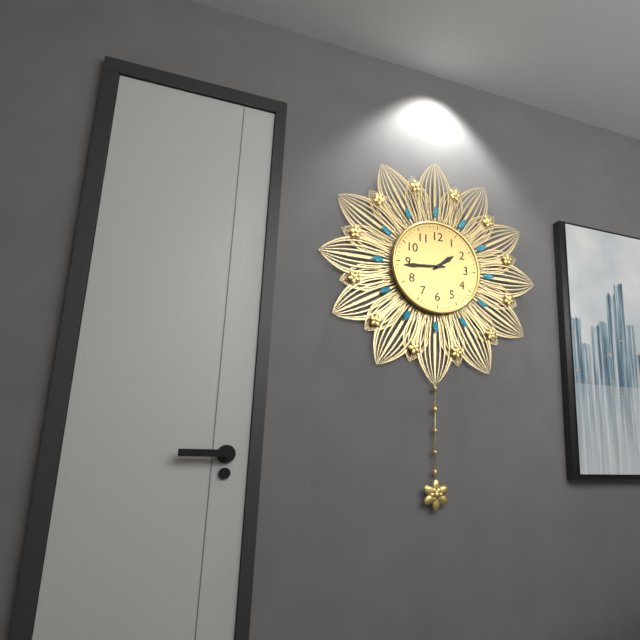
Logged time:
1h44
